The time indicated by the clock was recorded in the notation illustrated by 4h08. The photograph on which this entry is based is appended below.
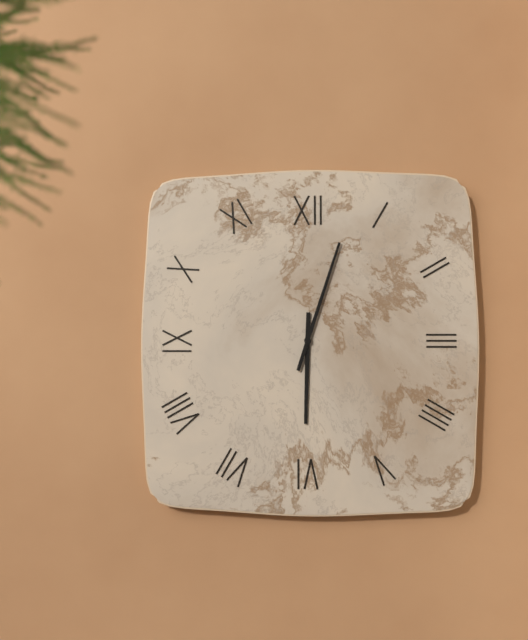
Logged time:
6h03
